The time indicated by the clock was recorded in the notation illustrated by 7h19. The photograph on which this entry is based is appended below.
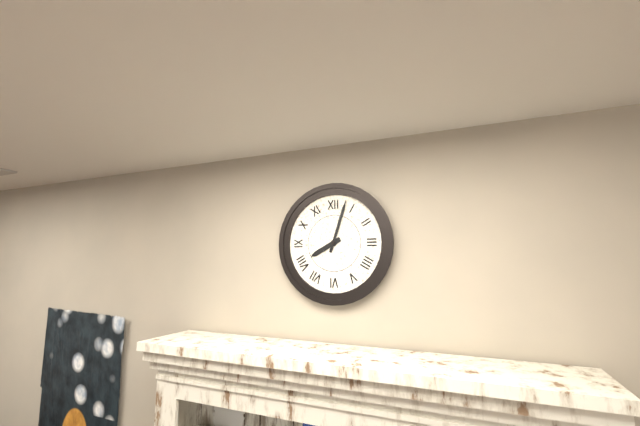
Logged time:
8h03
